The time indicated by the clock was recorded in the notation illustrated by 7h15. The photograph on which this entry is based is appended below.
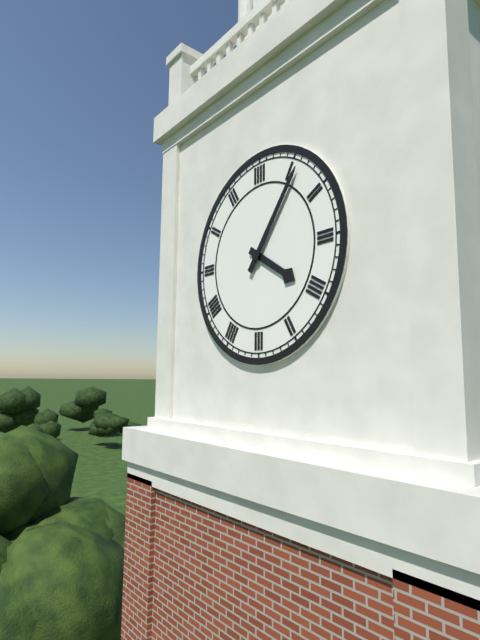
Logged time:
4h06
